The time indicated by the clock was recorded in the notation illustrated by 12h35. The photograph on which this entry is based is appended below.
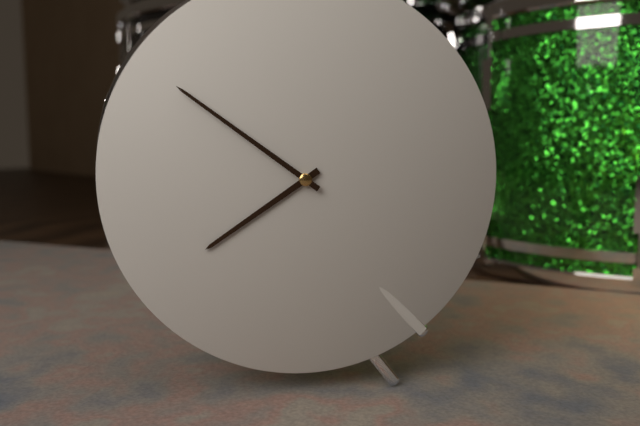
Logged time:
7h51
